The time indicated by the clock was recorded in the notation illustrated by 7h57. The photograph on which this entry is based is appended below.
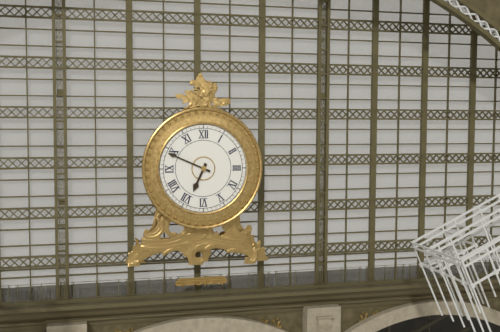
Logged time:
6h49
